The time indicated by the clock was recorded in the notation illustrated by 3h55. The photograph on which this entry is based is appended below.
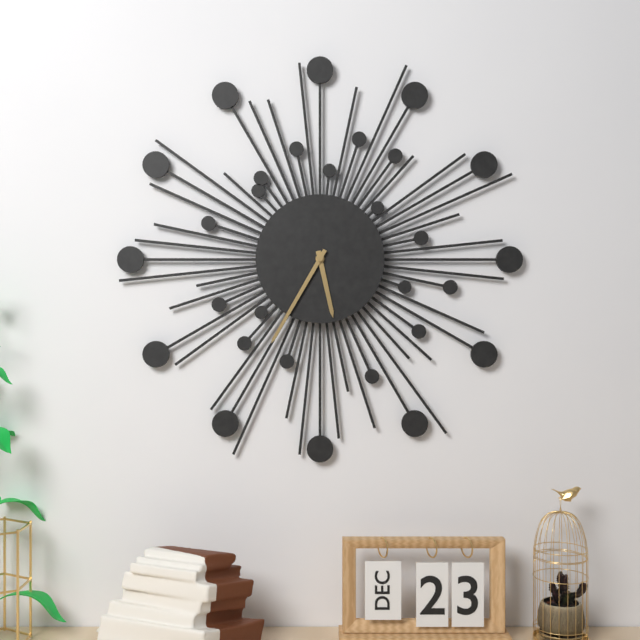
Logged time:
5h35
